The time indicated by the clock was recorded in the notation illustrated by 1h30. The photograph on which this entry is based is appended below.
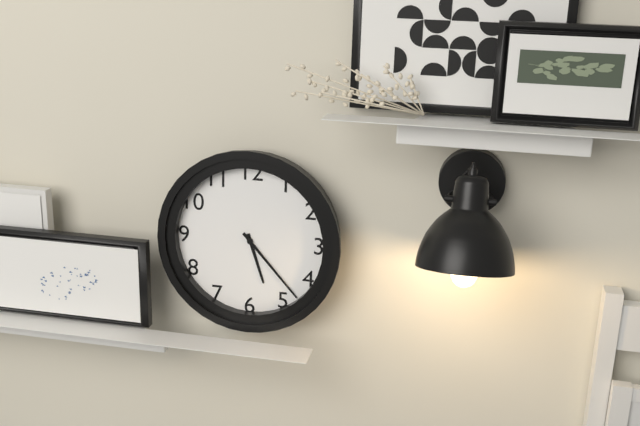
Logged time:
5h23
